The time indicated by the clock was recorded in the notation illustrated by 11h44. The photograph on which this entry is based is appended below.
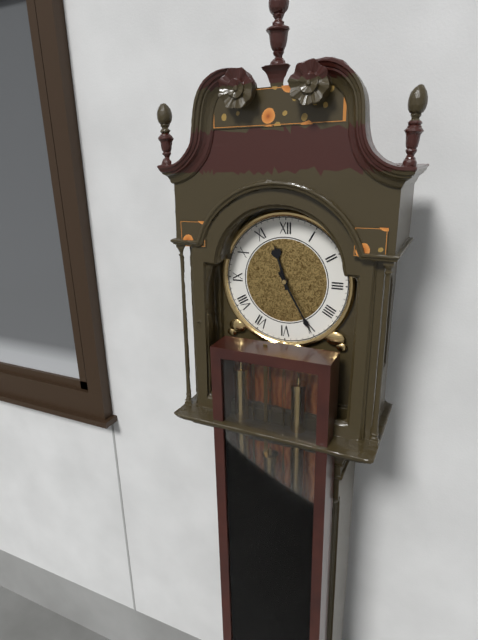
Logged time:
11h25
